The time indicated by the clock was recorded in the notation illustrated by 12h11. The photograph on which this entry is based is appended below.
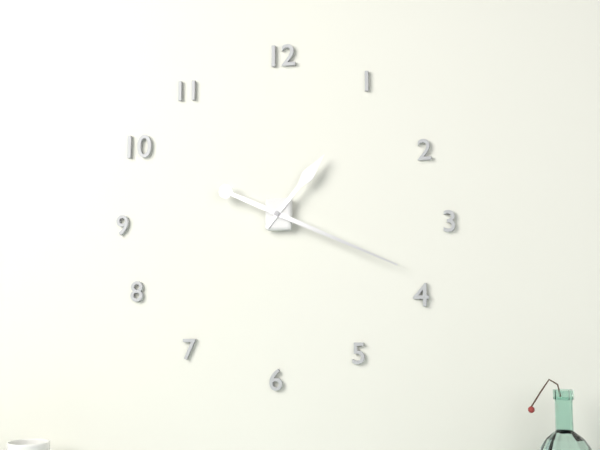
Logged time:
1h19
